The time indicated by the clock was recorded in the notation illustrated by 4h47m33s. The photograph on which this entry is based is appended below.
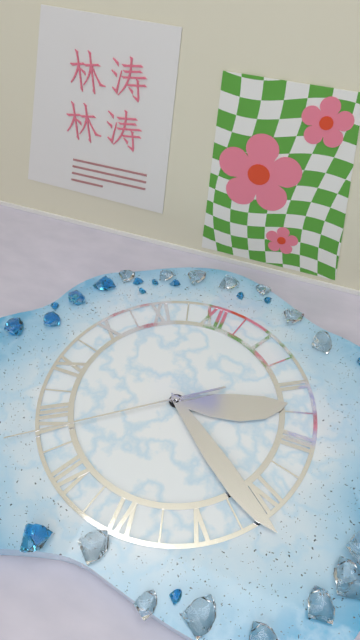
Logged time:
2h21m39s
